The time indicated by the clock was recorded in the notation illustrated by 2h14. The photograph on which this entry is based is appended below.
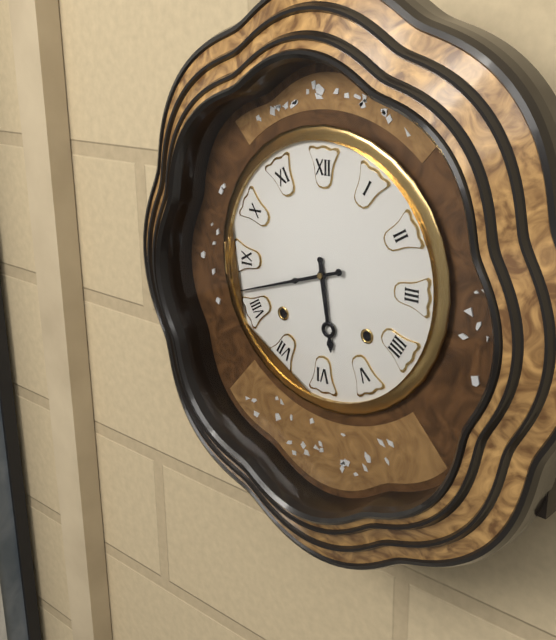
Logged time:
5h42
